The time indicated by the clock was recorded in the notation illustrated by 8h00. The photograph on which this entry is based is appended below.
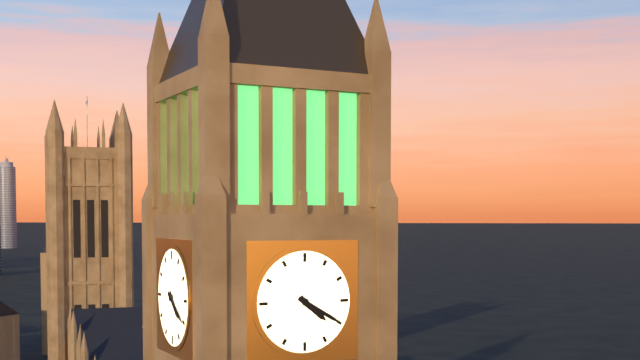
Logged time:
4h20
